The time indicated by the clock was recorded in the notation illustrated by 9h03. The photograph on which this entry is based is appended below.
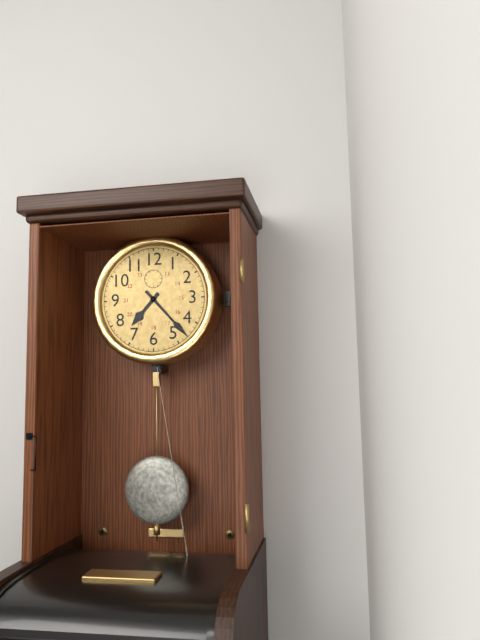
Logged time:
7h23
